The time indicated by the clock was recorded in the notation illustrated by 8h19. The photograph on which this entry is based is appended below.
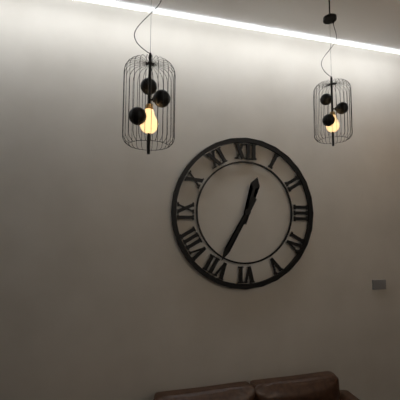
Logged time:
12h35
